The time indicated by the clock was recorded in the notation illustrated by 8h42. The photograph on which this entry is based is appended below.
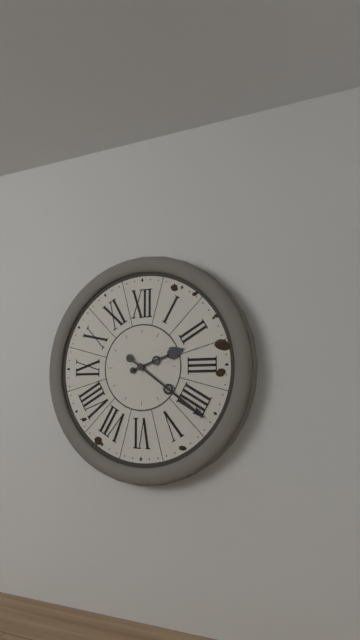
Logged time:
2h21
